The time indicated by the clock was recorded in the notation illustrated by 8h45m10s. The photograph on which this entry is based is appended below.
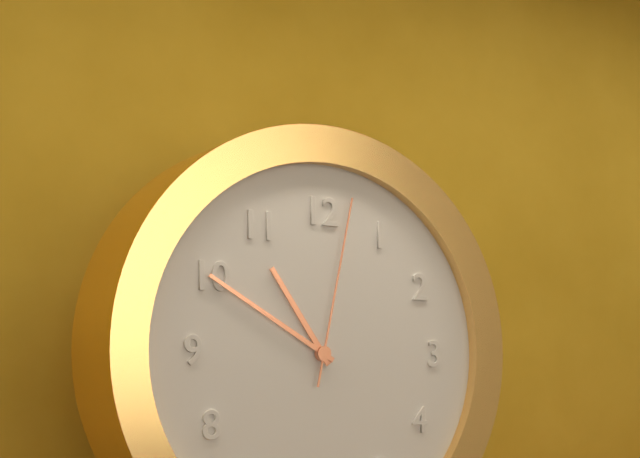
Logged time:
10h50m02s
